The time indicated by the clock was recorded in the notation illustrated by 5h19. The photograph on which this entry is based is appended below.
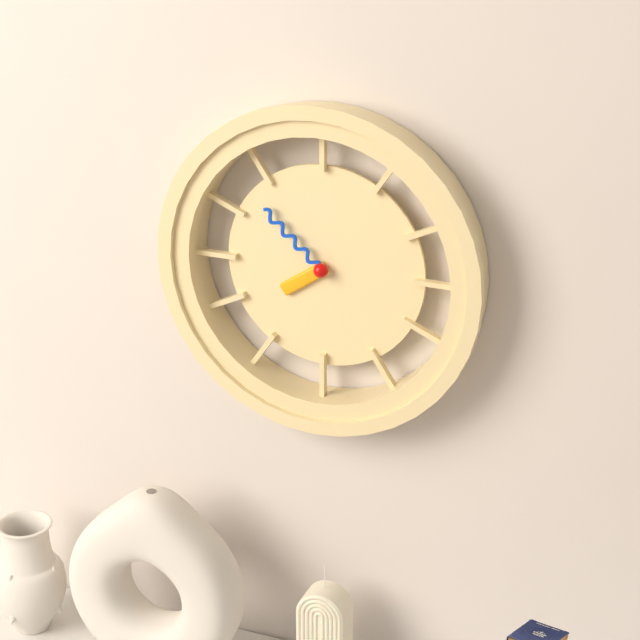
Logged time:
7h52
